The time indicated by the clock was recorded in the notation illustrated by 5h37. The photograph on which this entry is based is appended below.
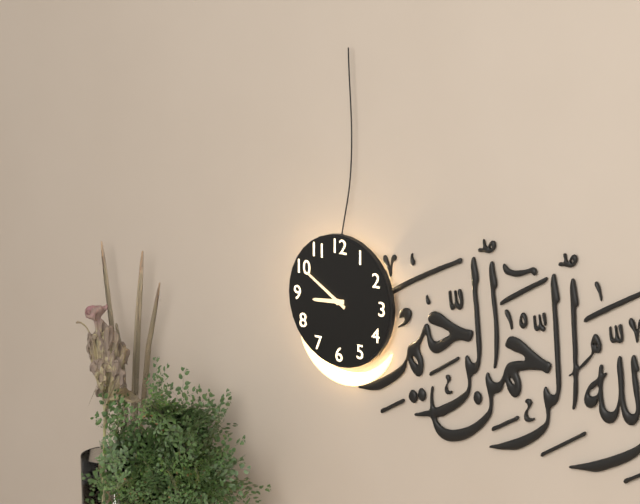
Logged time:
8h50
